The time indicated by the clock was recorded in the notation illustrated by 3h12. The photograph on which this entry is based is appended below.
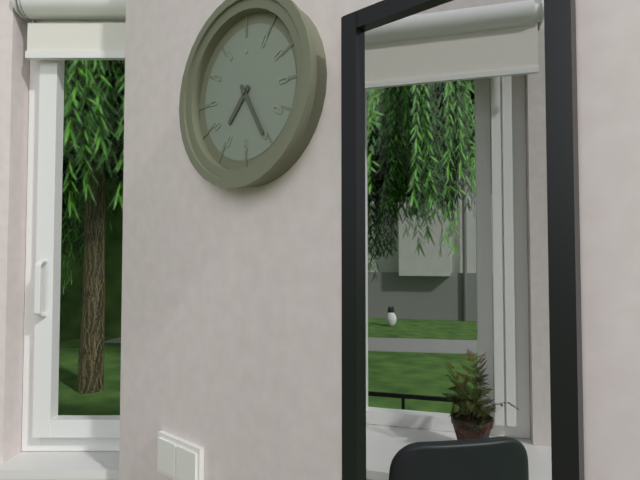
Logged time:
7h25
